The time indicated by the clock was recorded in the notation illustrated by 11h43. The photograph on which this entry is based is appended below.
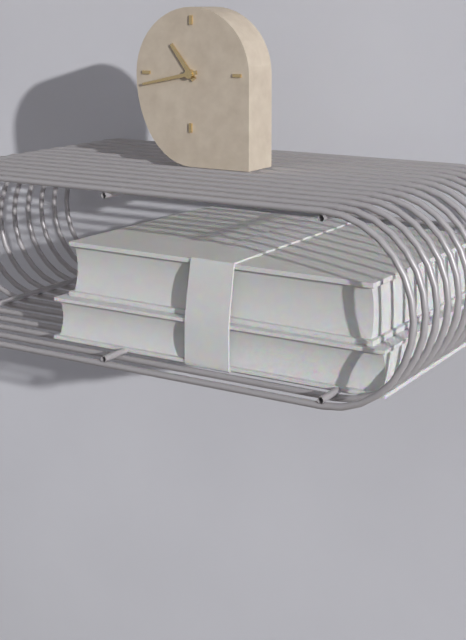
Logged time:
10h43
